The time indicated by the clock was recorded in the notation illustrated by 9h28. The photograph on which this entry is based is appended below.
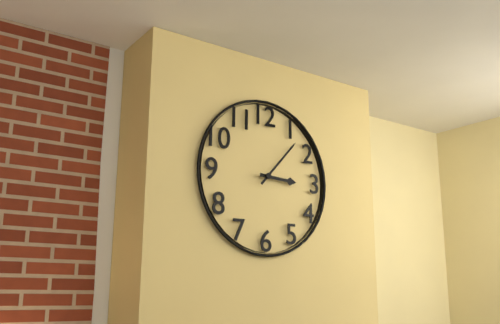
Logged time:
3h07
